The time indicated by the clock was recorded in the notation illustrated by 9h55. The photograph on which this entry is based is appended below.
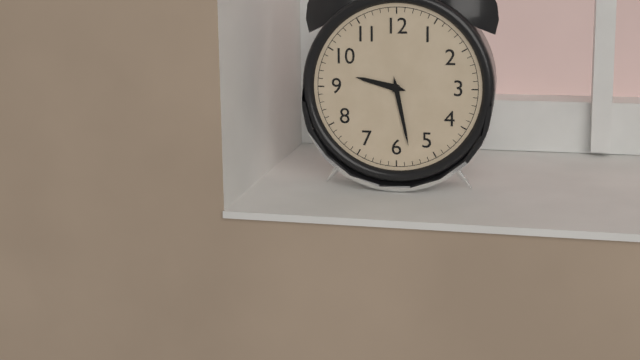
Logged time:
9h28
